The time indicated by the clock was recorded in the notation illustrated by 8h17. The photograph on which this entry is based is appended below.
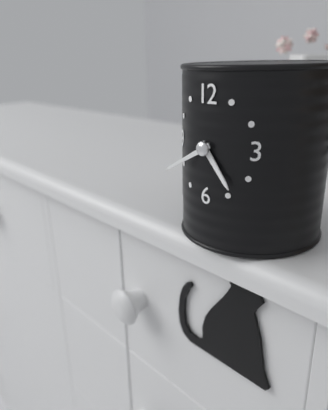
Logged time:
4h40
